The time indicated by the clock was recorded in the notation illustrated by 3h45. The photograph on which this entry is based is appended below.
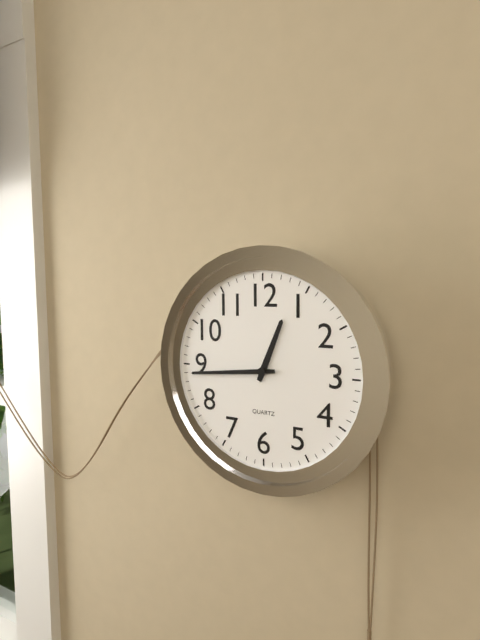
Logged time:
12h44
